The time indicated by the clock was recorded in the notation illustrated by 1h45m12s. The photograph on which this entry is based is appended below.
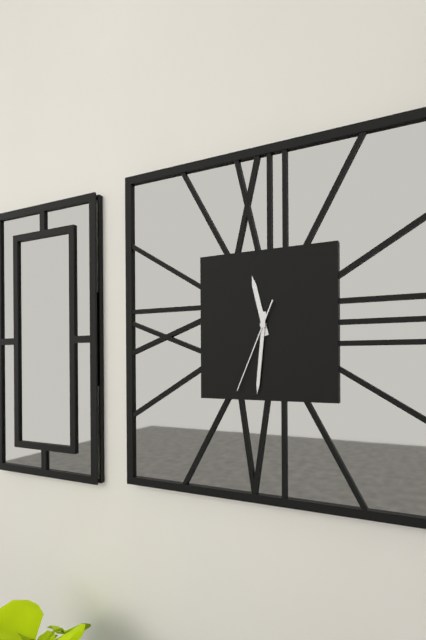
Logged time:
11h31m34s
